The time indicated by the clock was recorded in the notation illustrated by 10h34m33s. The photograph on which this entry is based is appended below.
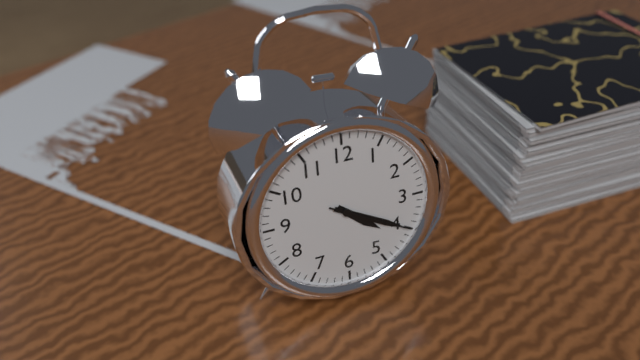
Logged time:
4h20m20s
